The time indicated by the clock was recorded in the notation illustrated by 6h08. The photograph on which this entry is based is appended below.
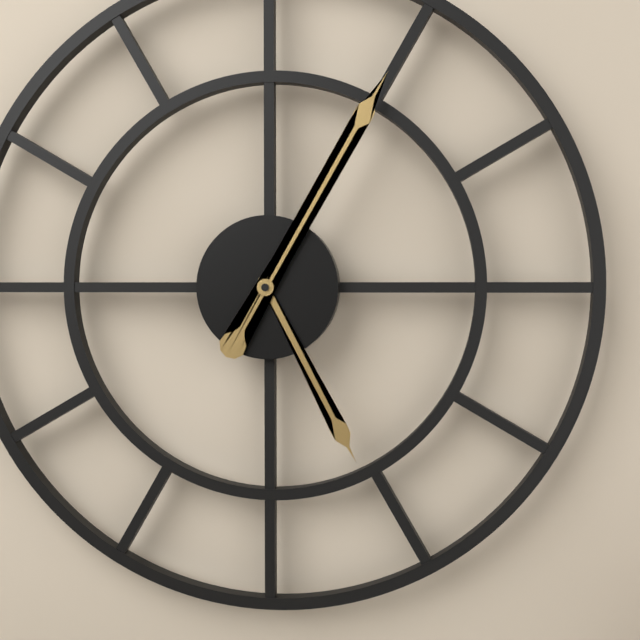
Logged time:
5h05
